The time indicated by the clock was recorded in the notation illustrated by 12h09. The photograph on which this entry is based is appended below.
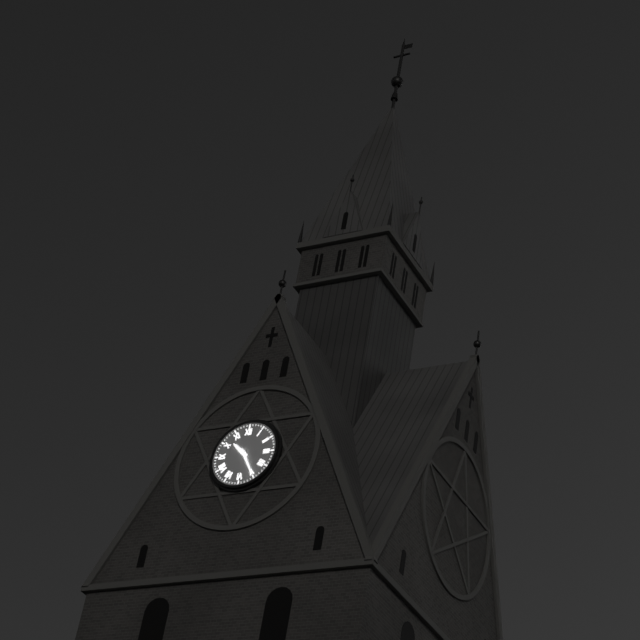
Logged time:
10h25
